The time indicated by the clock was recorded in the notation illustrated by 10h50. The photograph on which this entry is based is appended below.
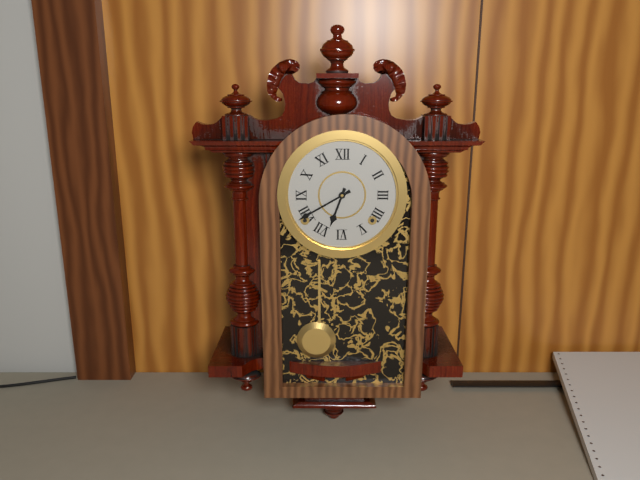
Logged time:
6h40
